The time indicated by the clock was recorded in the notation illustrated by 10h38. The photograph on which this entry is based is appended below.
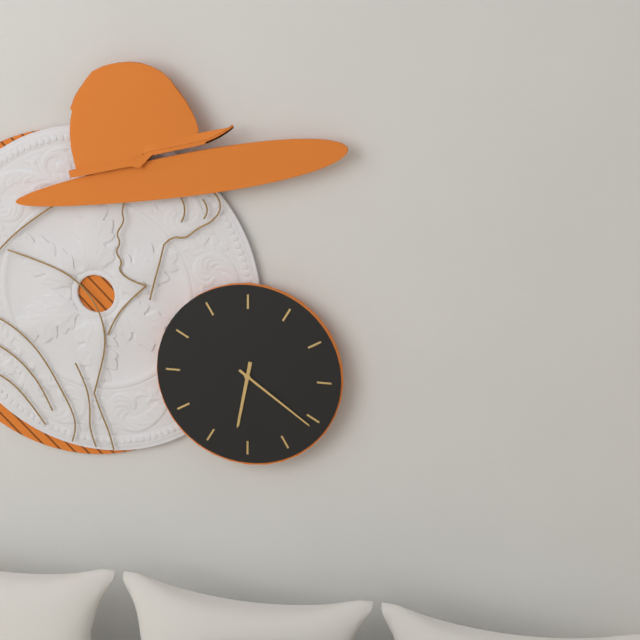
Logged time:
6h21
